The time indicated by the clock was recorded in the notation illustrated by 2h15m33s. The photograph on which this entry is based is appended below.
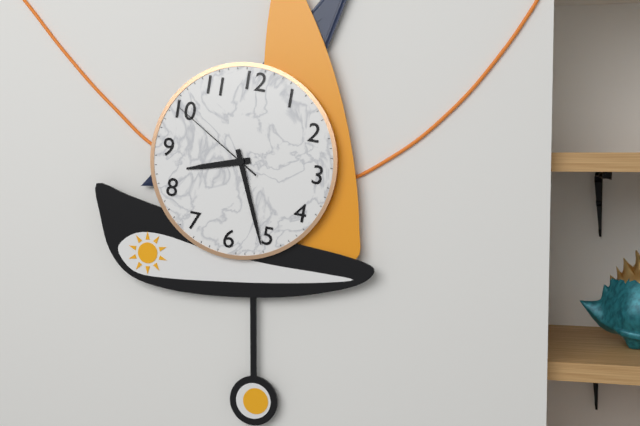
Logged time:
8h26m50s
